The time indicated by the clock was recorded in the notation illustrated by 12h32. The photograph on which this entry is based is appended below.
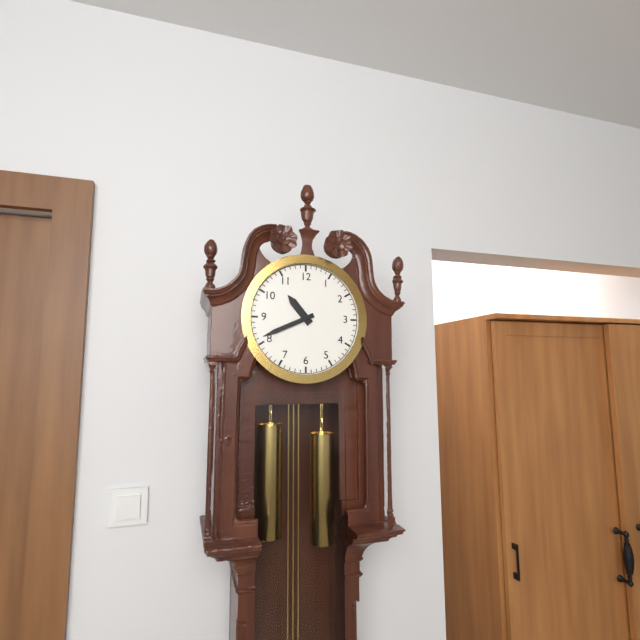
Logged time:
10h41
